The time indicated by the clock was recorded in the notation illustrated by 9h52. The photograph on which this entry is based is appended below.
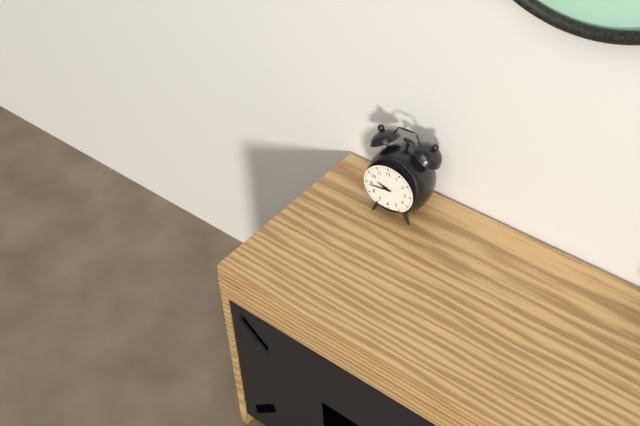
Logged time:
9h44
